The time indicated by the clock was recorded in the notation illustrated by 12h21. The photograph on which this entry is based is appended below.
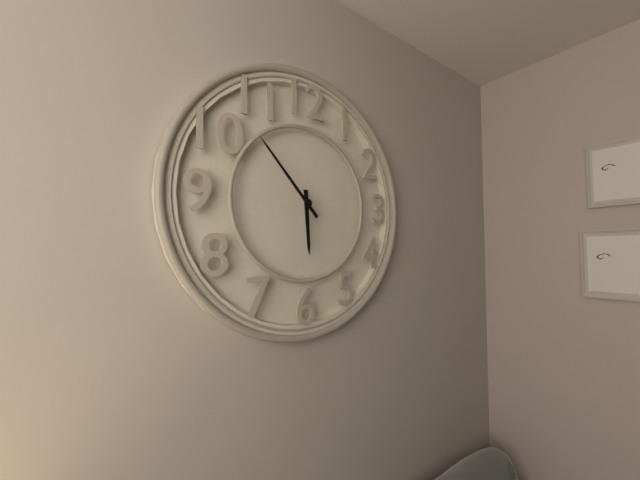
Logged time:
5h53
